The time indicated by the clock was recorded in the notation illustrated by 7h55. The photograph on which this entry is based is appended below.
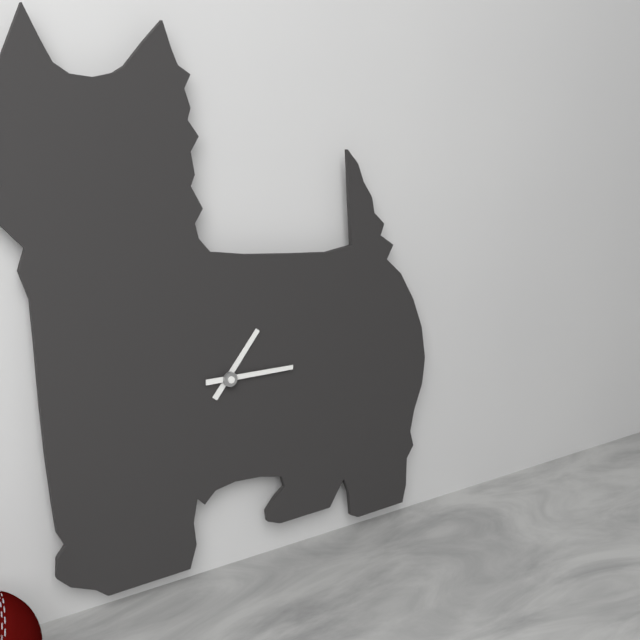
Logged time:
1h15
